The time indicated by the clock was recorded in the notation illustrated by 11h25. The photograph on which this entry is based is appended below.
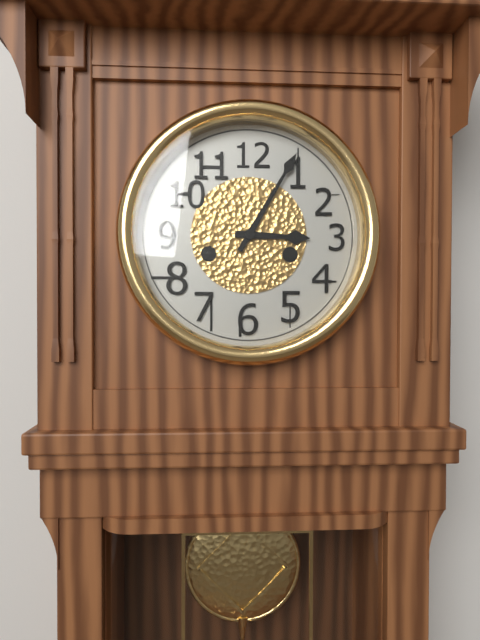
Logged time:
3h05
